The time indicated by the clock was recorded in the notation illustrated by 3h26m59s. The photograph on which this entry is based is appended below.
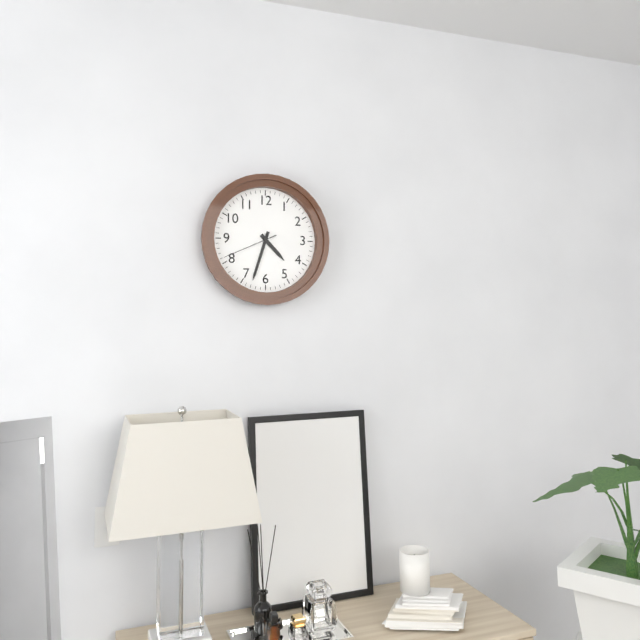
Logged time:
4h33m41s
